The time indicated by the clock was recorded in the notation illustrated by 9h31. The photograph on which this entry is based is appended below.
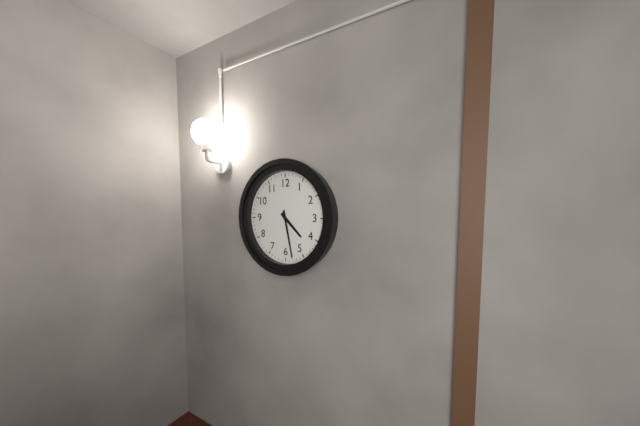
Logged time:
4h28
